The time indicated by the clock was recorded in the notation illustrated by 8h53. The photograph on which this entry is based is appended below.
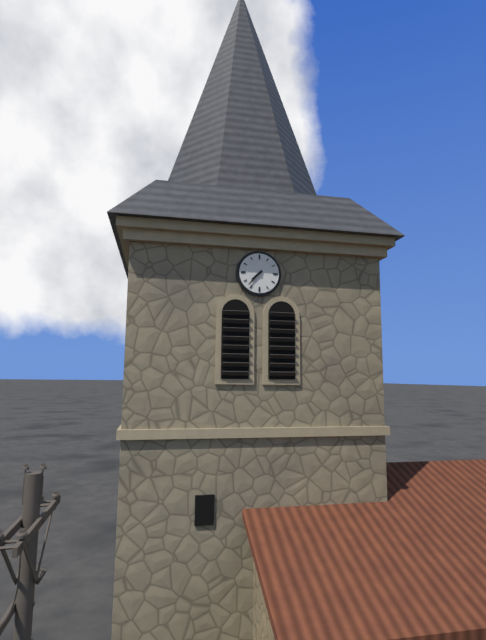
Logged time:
7h37
